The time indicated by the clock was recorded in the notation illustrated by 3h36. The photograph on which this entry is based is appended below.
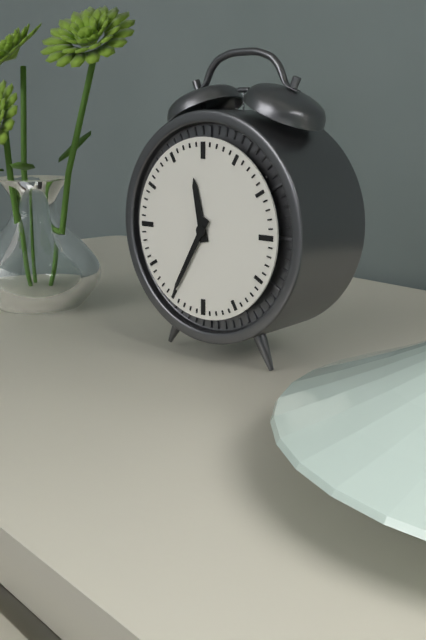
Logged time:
11h35
